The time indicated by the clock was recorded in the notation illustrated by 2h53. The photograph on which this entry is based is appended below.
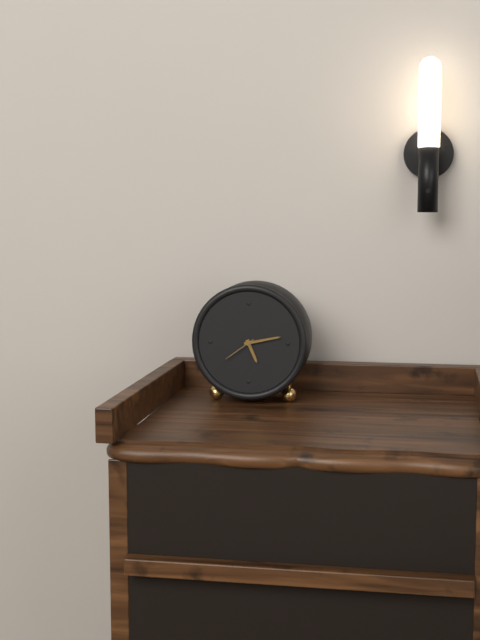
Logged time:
5h13
